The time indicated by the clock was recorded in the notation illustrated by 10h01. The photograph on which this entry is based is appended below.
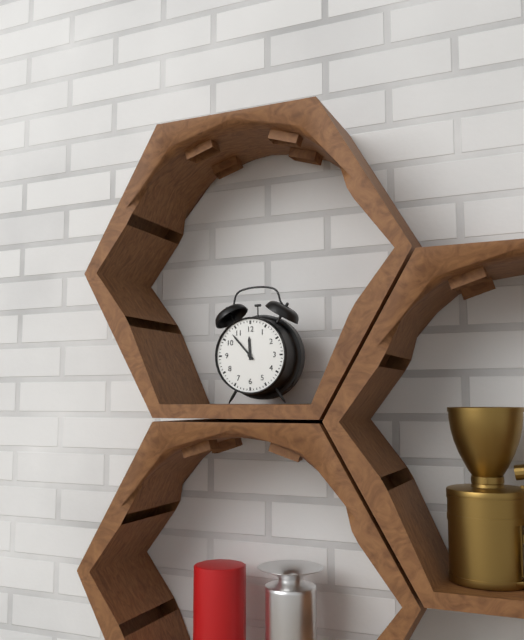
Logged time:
11h53
